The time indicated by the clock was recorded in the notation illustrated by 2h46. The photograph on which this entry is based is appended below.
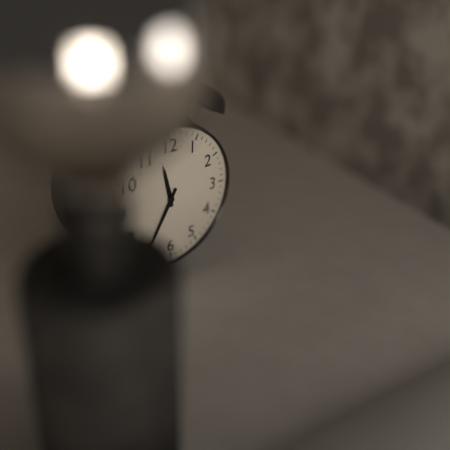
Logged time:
11h35
